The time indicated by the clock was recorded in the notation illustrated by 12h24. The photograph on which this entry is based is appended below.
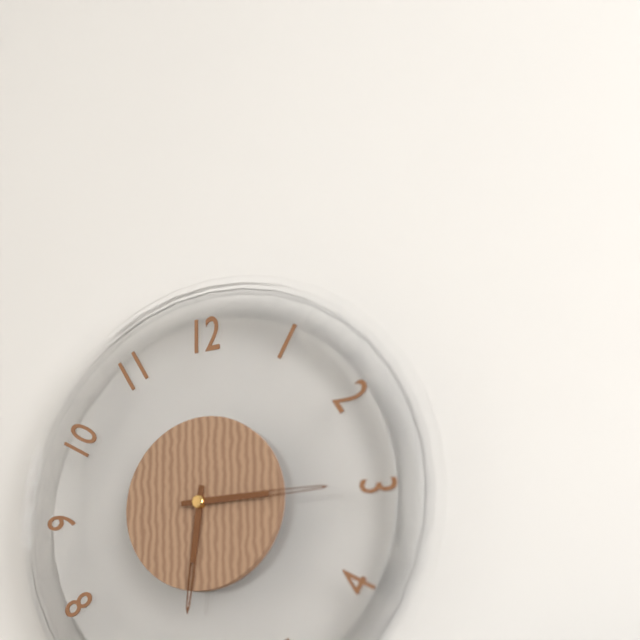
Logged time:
6h15
